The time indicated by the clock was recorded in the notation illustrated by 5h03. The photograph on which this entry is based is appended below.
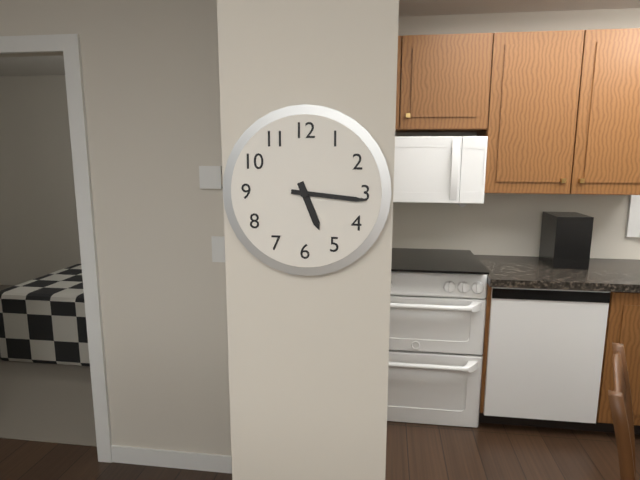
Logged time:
5h16
